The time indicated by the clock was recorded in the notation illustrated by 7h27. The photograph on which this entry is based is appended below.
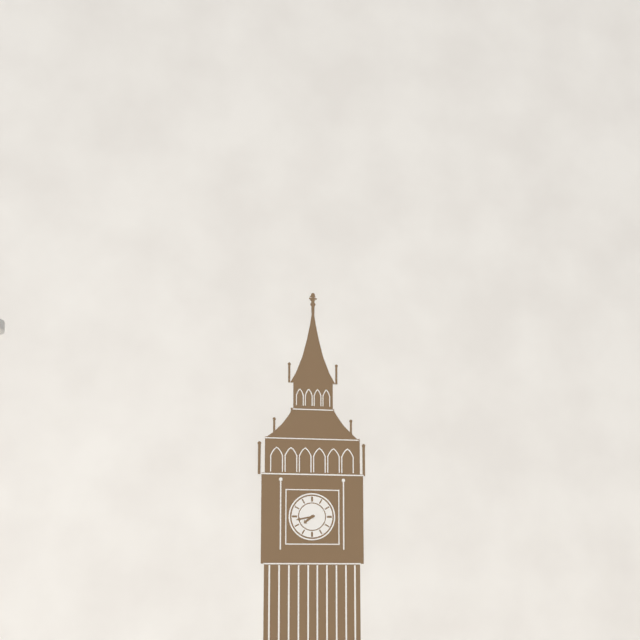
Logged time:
7h43
